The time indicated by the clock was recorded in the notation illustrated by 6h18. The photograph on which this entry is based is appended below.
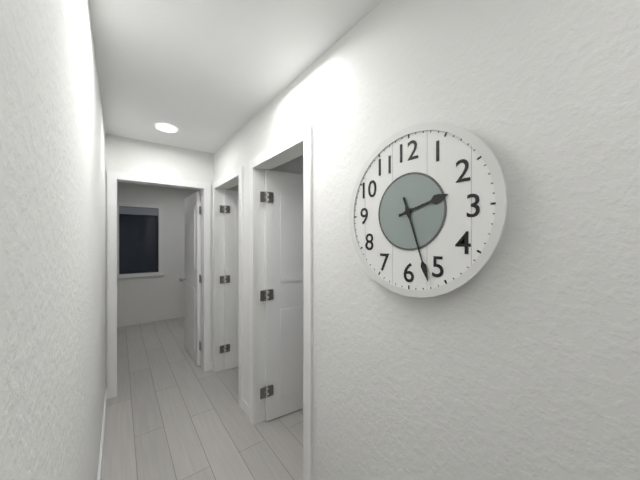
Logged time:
2h27
